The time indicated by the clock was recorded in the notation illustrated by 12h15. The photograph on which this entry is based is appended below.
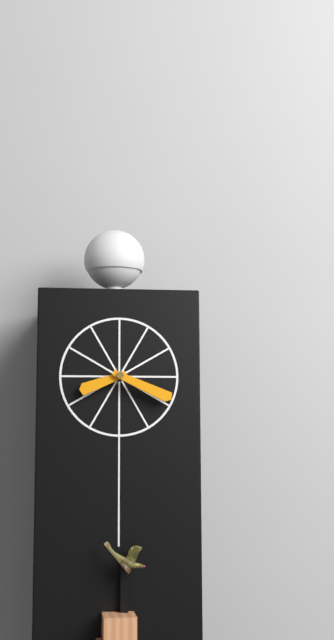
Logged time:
8h19
